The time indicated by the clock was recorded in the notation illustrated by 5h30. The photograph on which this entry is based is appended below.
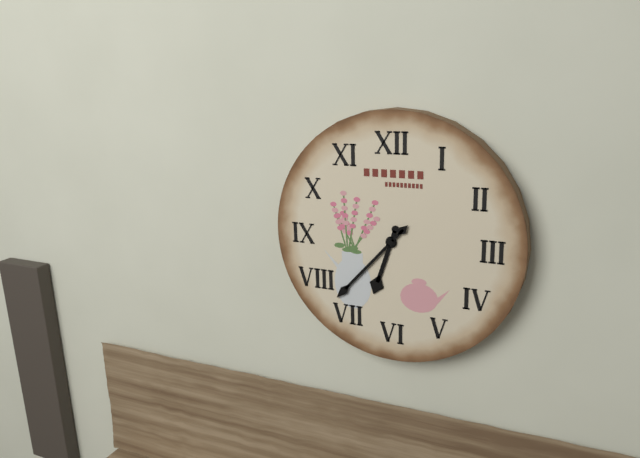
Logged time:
6h37
